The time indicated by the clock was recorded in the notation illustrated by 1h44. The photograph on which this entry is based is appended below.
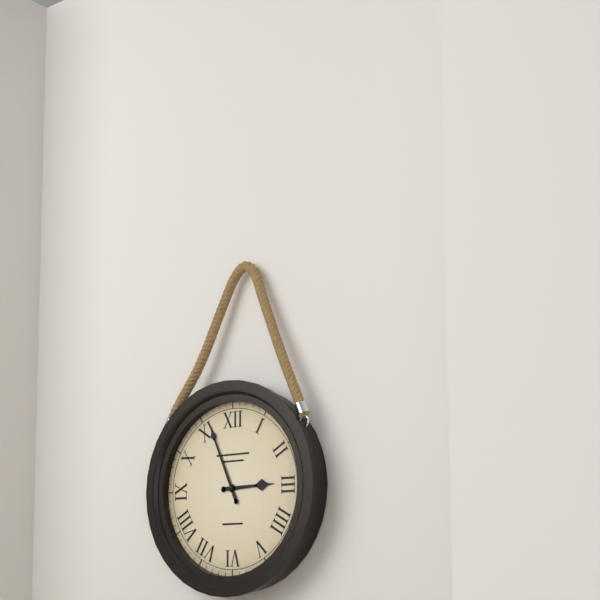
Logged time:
2h56
